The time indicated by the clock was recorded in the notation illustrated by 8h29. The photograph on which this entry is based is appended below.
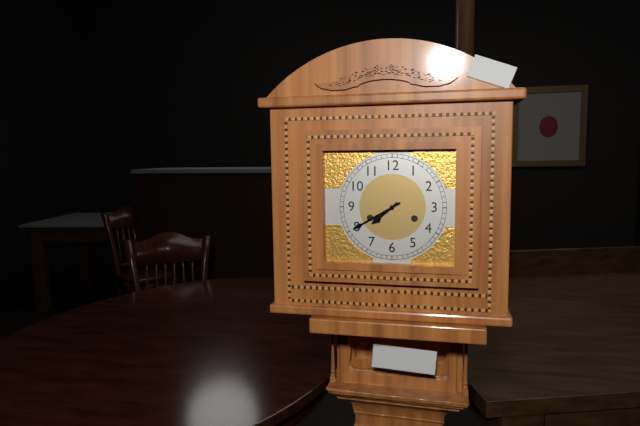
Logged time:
7h40
